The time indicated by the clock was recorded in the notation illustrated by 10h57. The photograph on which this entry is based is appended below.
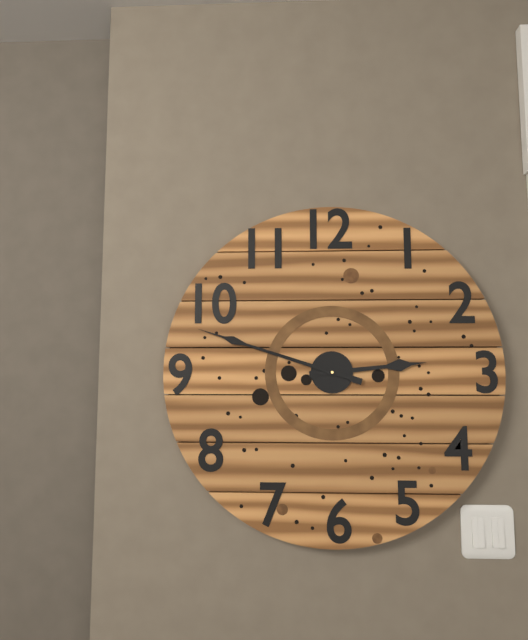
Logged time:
2h48
